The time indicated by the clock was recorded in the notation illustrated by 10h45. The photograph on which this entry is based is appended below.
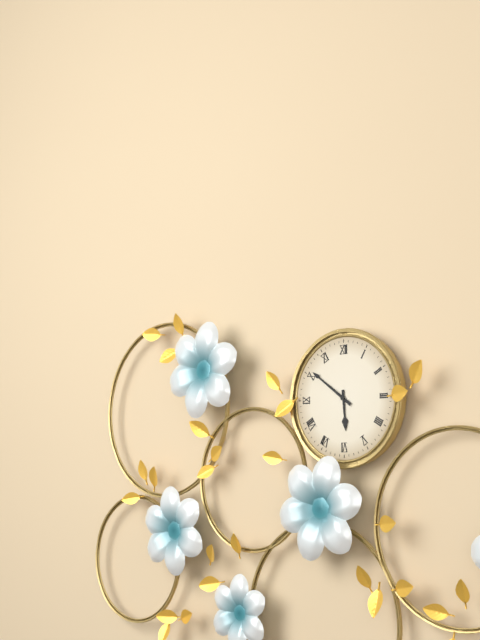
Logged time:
5h51
